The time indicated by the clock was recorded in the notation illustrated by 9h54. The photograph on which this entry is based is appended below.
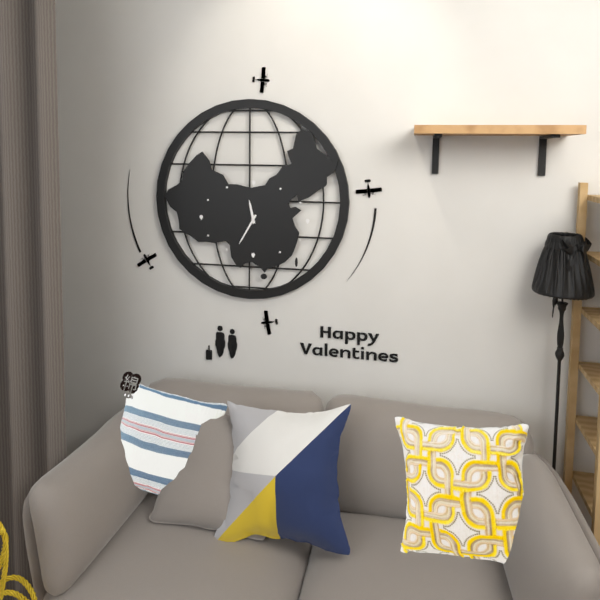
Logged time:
11h35
